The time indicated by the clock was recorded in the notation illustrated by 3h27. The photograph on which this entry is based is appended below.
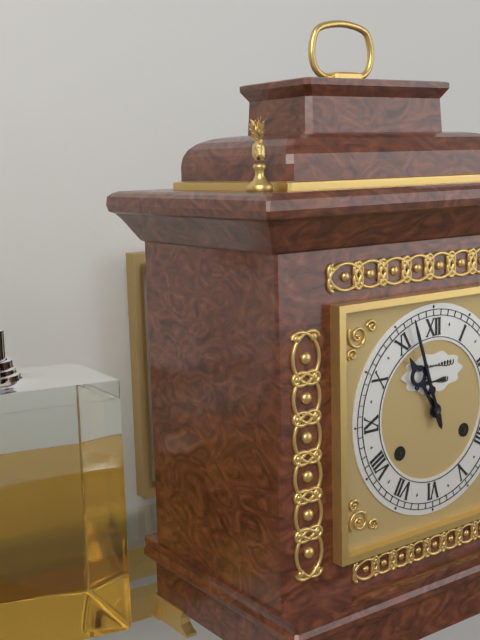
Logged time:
10h57
